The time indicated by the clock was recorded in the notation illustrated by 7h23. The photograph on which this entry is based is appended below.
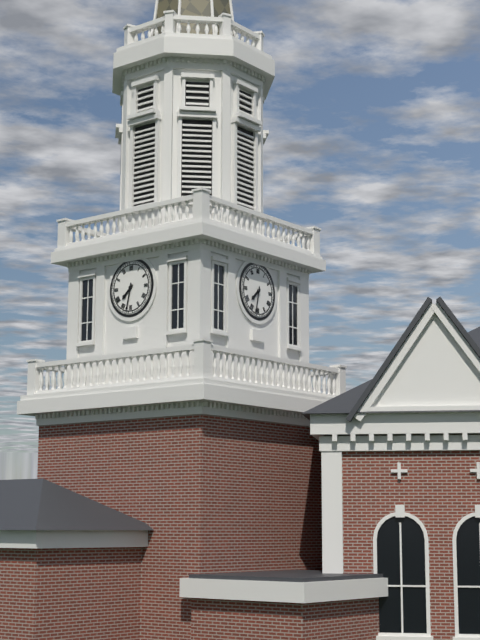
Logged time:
7h32
